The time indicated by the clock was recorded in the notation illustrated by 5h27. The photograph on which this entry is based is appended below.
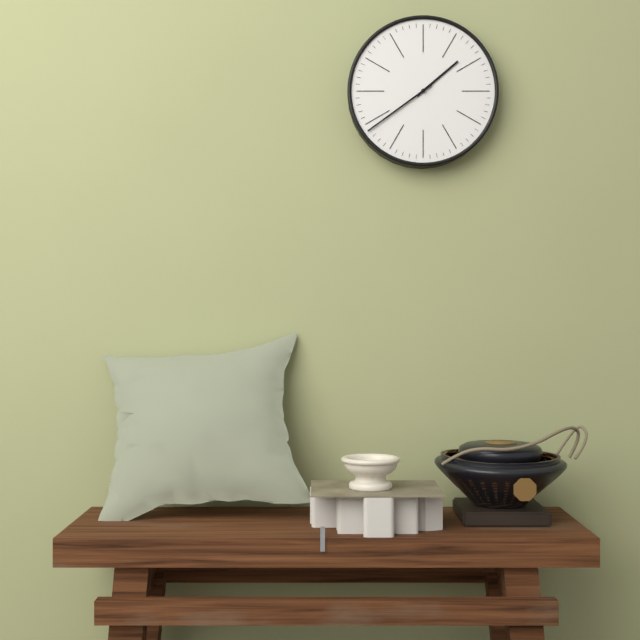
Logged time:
1h39
